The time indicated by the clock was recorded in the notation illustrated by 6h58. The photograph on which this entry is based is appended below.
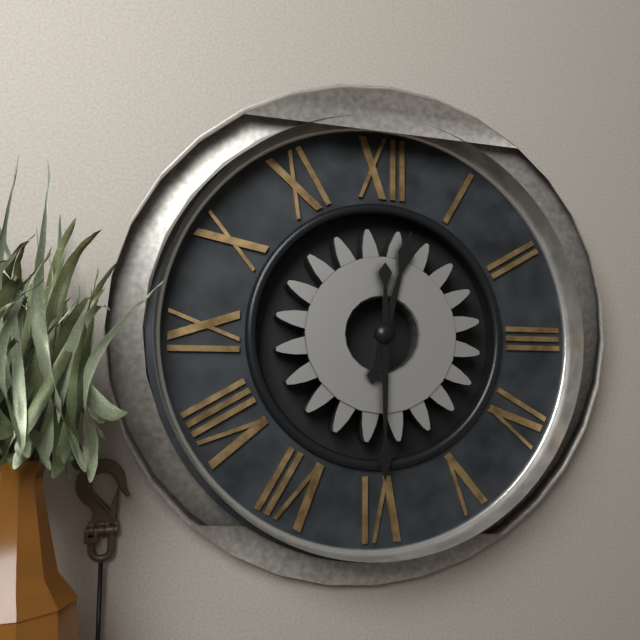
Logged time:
12h30
